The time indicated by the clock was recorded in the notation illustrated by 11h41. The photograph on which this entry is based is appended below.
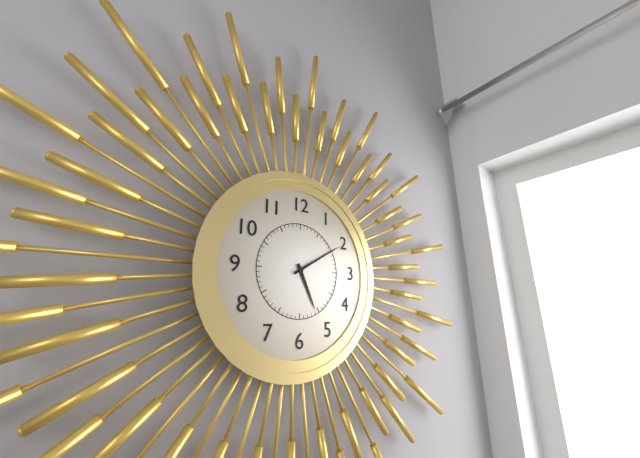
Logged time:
5h10
